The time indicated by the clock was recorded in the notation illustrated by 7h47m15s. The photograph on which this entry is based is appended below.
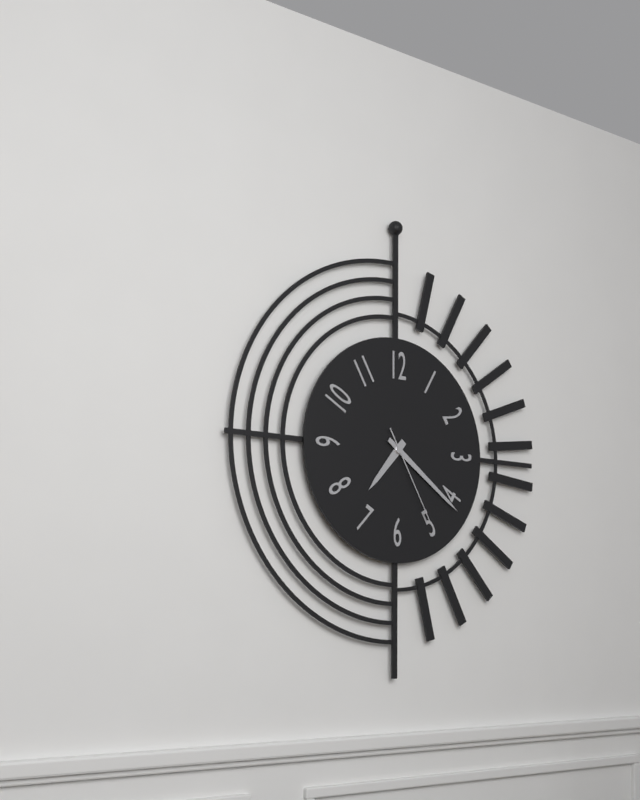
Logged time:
7h21m25s
